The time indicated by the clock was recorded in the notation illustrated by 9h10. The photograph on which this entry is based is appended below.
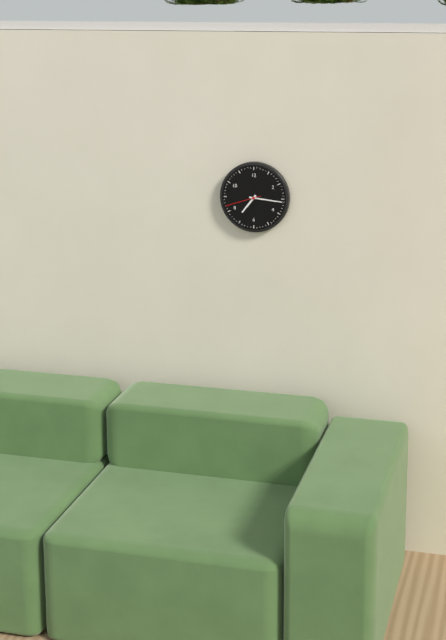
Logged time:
7h16
